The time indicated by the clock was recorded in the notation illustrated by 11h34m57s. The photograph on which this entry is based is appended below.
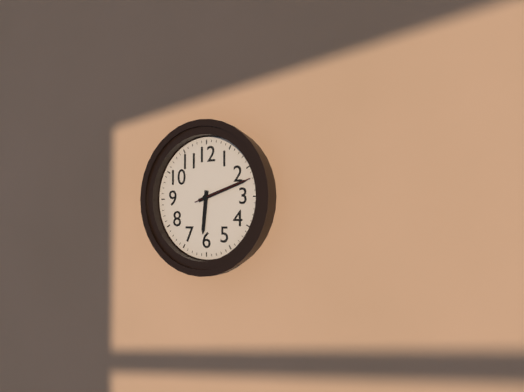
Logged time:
6h12m12s
